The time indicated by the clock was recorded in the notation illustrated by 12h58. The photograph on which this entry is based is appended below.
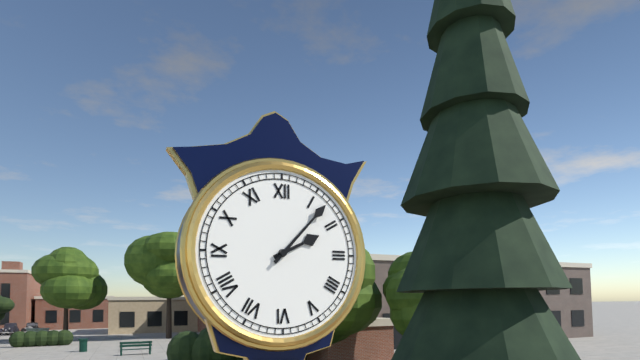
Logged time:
2h07
